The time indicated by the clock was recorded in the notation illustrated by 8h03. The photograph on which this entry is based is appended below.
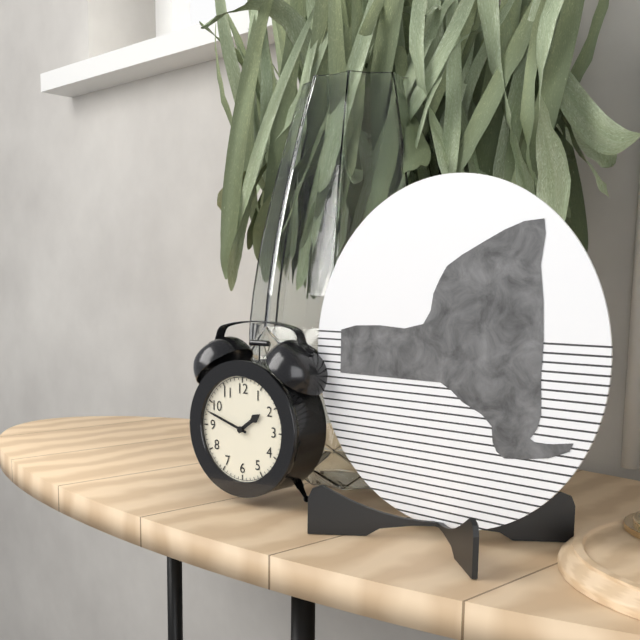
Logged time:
1h48
